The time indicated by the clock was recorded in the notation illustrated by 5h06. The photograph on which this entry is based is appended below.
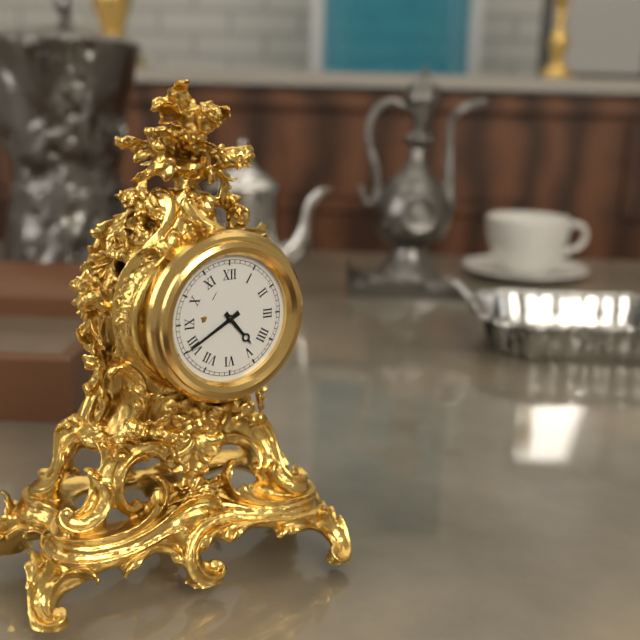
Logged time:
4h40
